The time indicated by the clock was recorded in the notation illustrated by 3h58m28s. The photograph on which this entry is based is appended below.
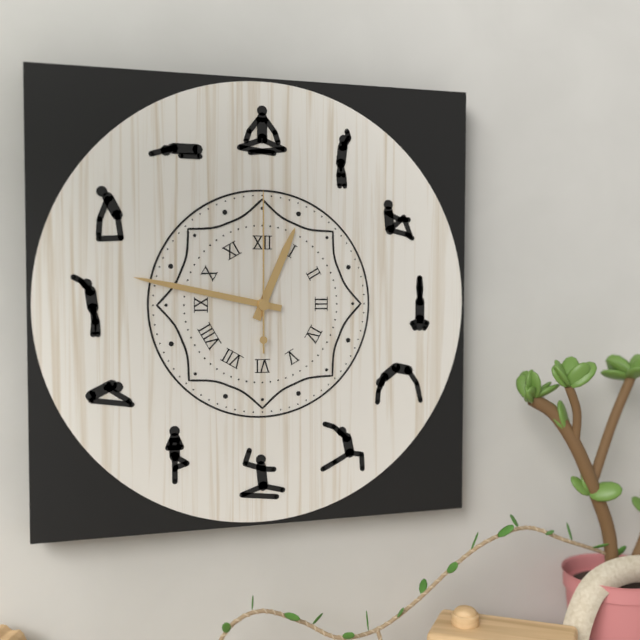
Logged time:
12h47m00s
